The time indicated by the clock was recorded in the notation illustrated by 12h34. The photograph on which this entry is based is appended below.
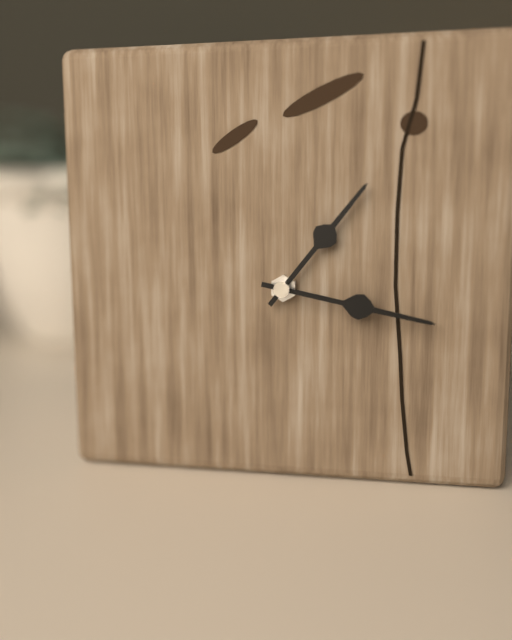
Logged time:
1h17
